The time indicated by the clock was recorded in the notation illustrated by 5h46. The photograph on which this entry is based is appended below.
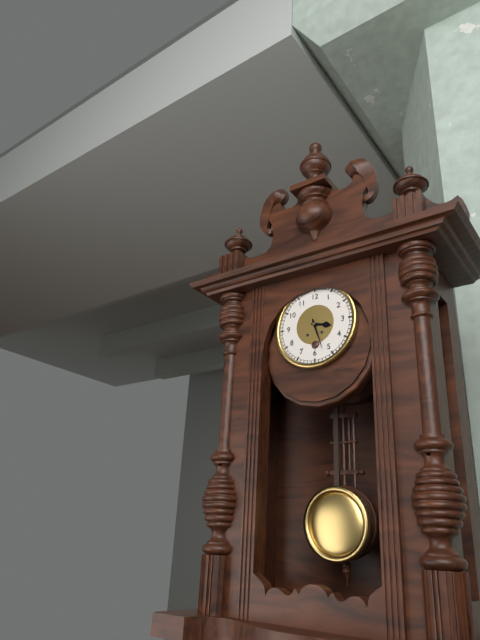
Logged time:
3h27
